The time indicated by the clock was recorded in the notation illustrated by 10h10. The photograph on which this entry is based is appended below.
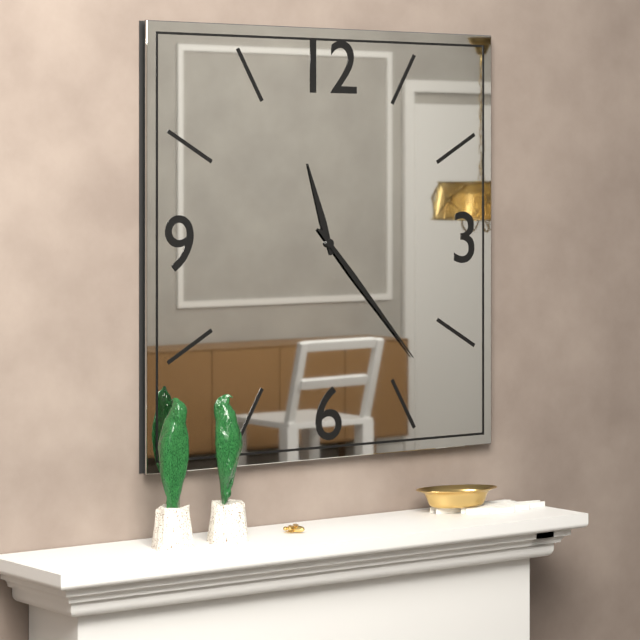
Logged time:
11h23
